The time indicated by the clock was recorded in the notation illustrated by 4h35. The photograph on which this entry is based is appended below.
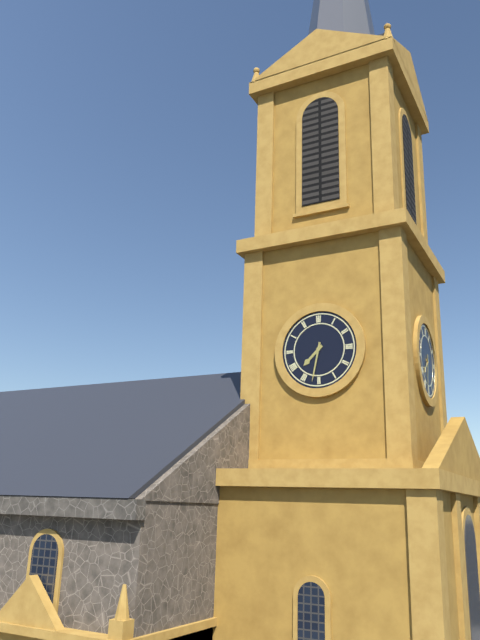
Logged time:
7h32
